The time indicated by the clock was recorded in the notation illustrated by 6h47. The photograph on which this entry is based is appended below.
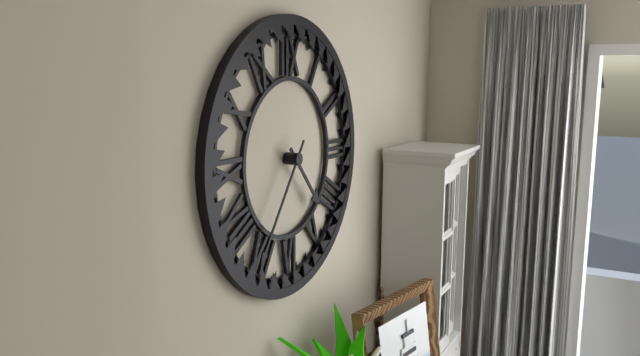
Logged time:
4h36
